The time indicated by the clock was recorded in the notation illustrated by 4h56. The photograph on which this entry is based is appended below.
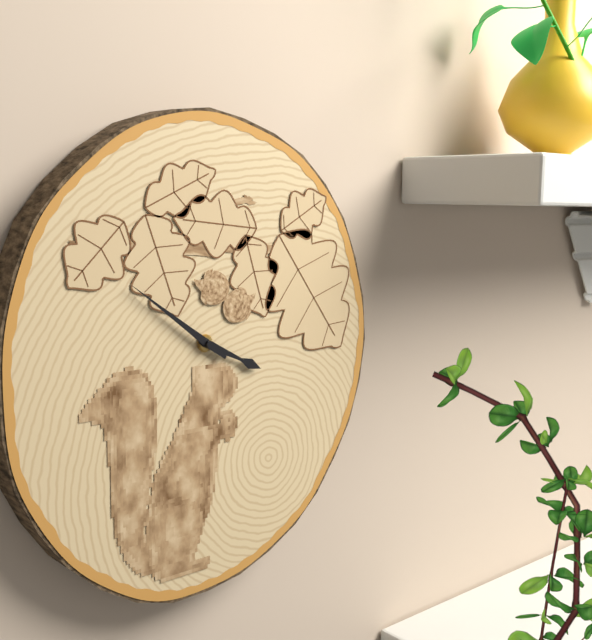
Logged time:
3h51
